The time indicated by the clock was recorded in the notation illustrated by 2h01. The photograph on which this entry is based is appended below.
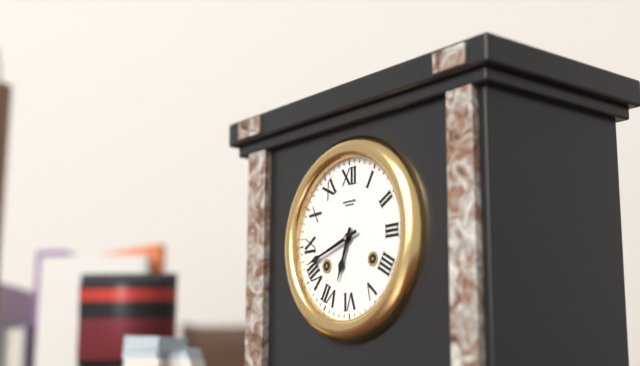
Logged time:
6h42
